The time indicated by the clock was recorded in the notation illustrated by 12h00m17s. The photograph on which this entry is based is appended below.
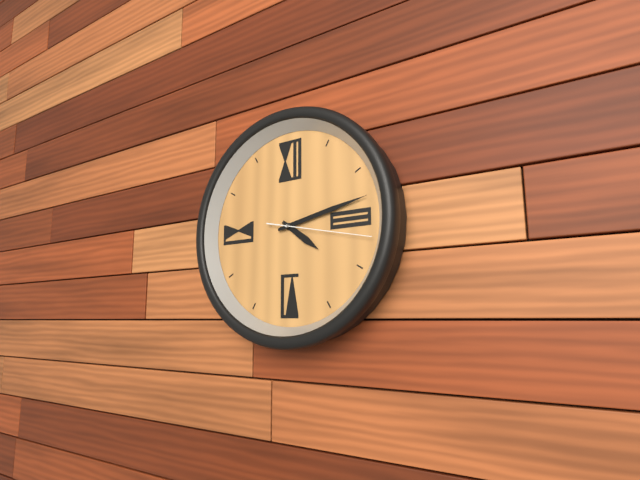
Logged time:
4h13m17s
